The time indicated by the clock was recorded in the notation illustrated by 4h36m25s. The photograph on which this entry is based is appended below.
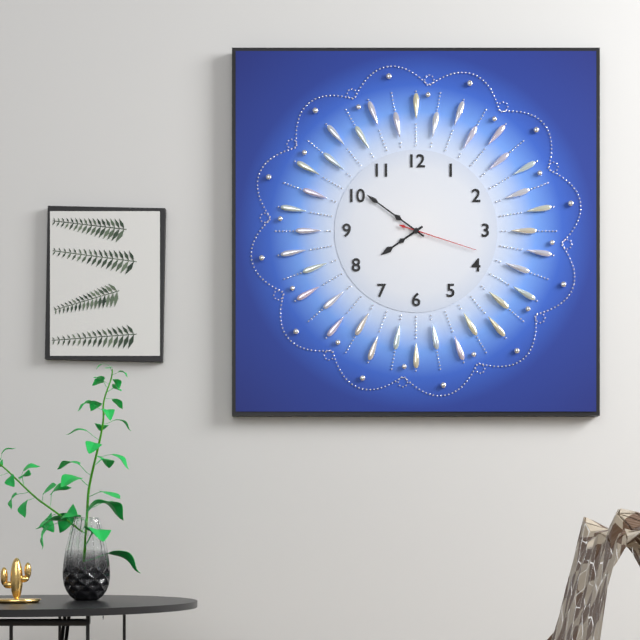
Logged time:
7h51m18s
